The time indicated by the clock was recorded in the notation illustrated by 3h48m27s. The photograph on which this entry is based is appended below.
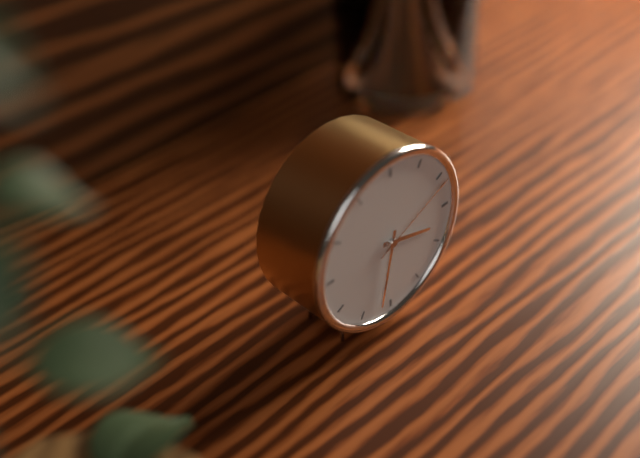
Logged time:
3h32m11s
